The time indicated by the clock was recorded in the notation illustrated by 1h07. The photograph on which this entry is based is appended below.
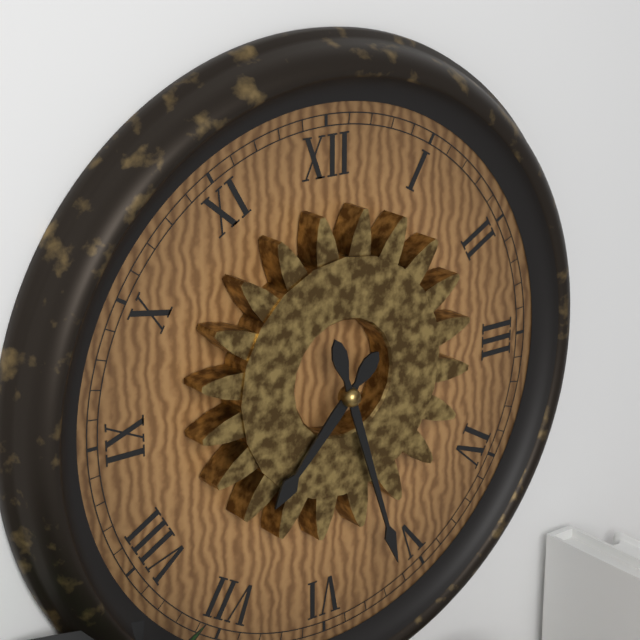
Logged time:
7h27
